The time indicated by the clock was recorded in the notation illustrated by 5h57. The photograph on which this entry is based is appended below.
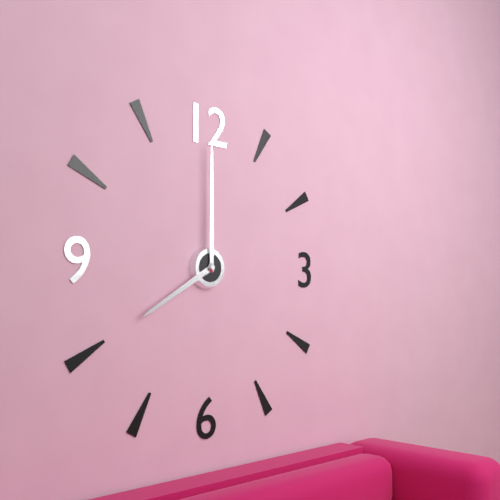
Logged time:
8h00
